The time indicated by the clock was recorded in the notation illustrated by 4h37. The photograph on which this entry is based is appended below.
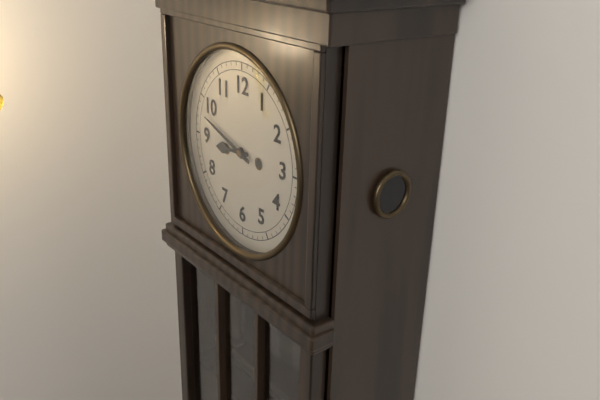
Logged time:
8h48
